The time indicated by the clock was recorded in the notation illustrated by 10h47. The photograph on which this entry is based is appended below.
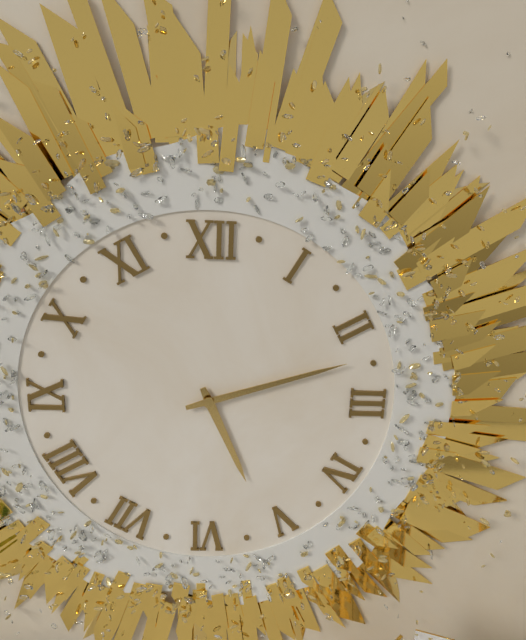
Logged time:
5h12
